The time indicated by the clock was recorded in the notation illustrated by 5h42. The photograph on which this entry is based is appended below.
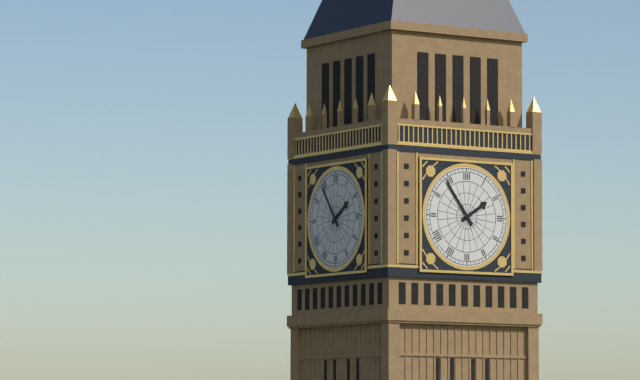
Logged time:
1h54
